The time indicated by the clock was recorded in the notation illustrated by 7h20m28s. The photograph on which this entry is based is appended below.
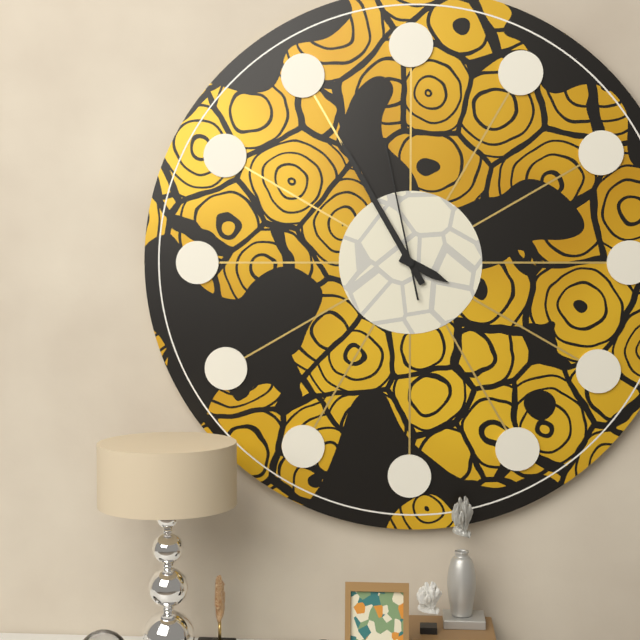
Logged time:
3h55m58s
